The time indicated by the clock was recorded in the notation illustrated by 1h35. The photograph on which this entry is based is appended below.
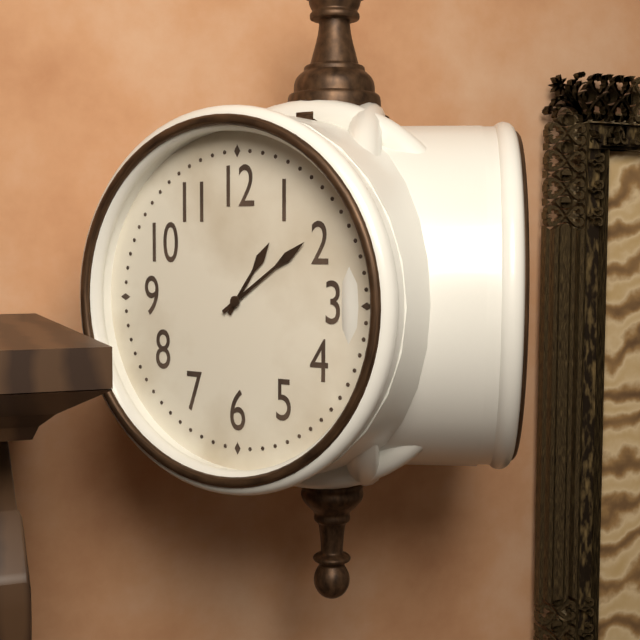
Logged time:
1h09
